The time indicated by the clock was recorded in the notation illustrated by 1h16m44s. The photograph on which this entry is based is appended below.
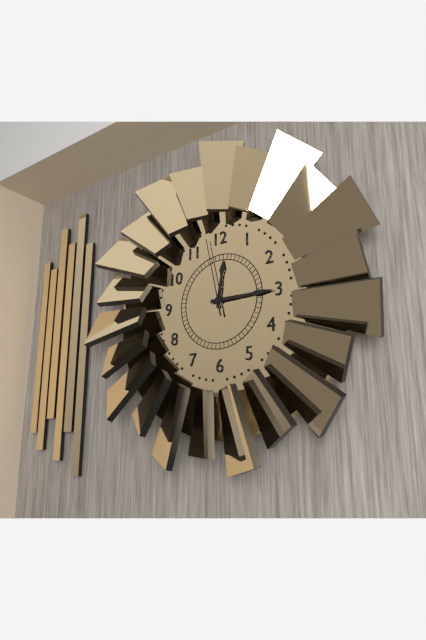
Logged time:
12h15m58s
